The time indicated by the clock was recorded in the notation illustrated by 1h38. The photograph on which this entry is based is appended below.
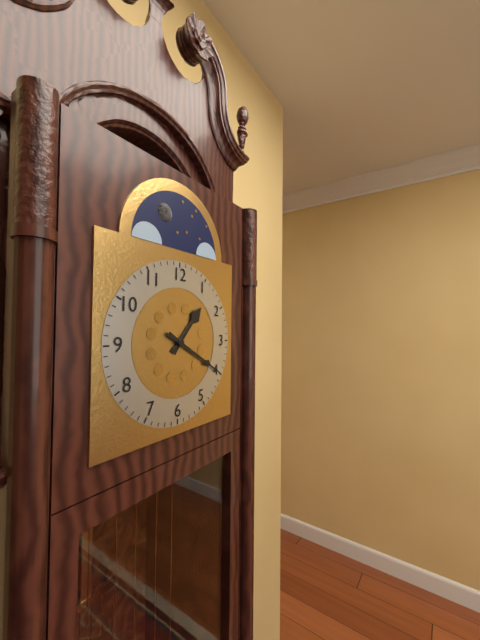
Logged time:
1h20
